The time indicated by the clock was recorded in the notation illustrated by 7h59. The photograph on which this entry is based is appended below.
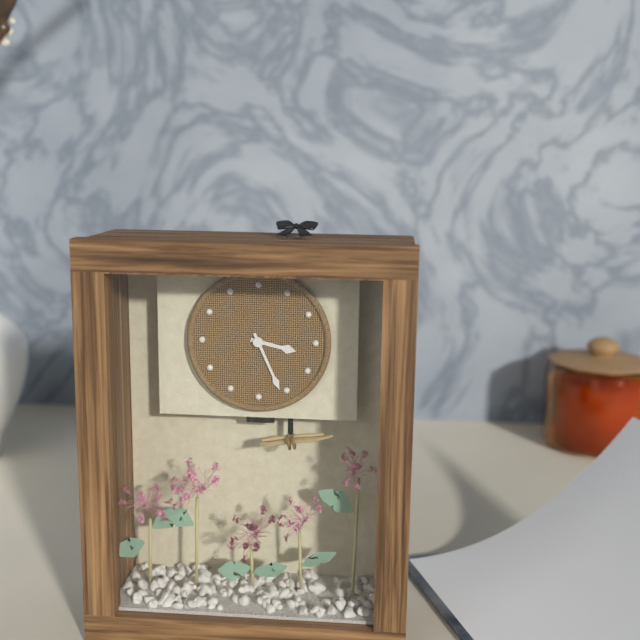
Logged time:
3h26
